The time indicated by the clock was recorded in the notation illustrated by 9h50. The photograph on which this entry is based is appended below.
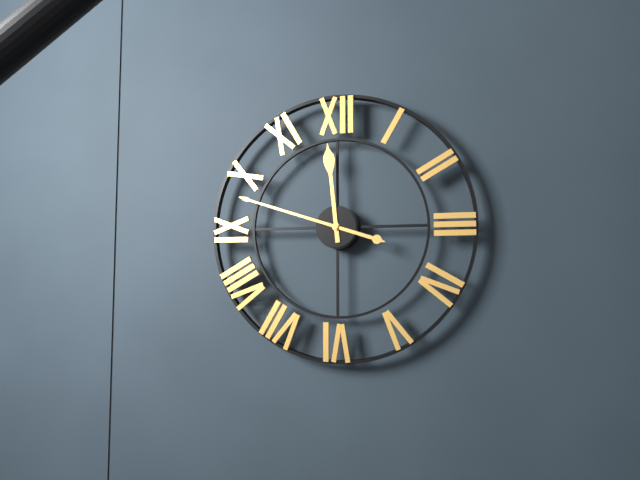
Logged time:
11h48
